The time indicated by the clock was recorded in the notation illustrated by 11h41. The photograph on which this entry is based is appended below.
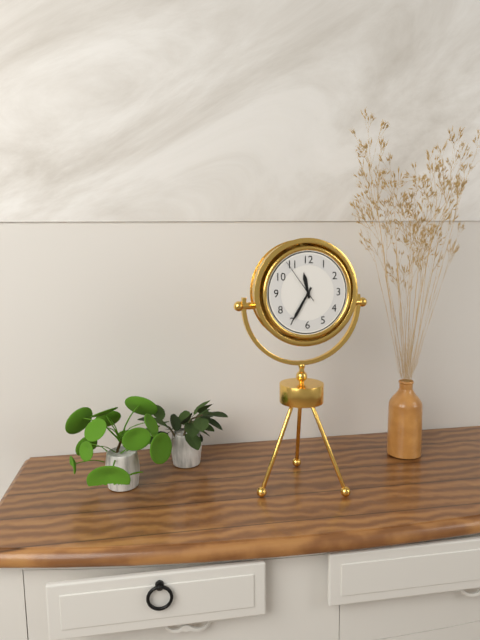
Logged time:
11h35
